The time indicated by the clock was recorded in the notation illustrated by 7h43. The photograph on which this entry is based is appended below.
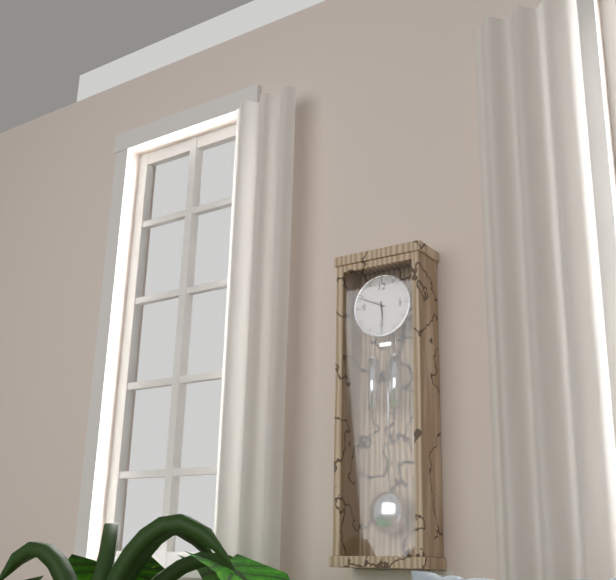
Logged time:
5h49
